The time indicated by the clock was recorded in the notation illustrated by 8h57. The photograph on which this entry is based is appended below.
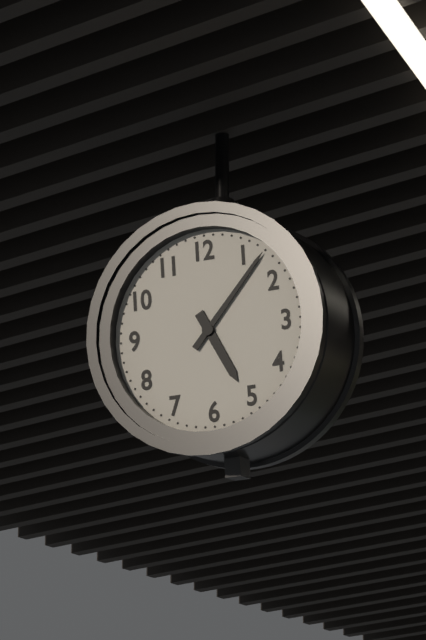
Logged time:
5h07
